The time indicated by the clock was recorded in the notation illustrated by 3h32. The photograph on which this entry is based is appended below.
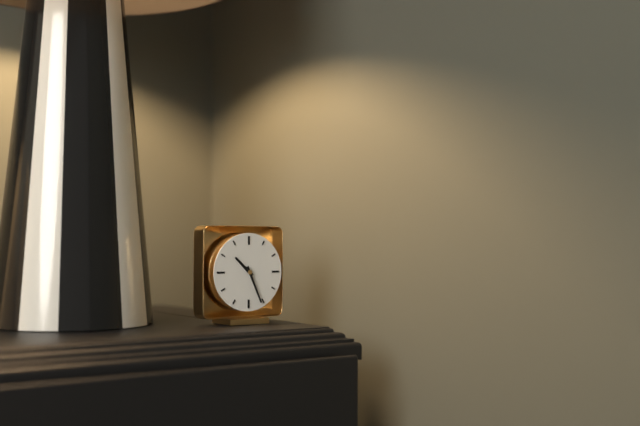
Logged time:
10h26
